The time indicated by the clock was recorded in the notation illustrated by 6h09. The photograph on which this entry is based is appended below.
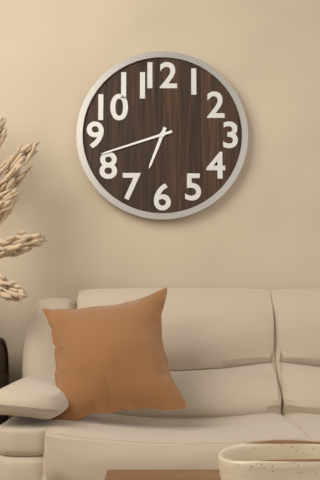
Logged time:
6h42
